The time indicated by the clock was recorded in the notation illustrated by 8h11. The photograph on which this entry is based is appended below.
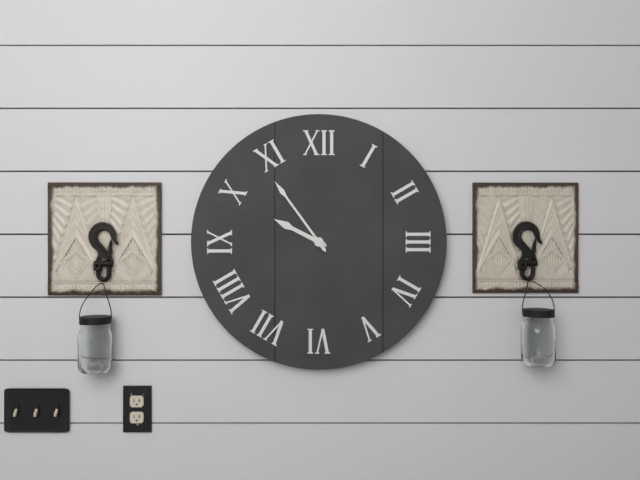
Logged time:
9h54
